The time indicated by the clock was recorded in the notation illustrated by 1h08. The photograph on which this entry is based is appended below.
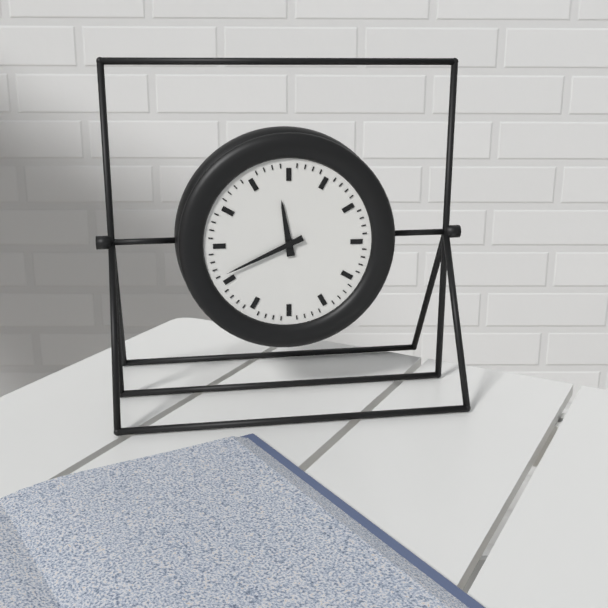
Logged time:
11h41
